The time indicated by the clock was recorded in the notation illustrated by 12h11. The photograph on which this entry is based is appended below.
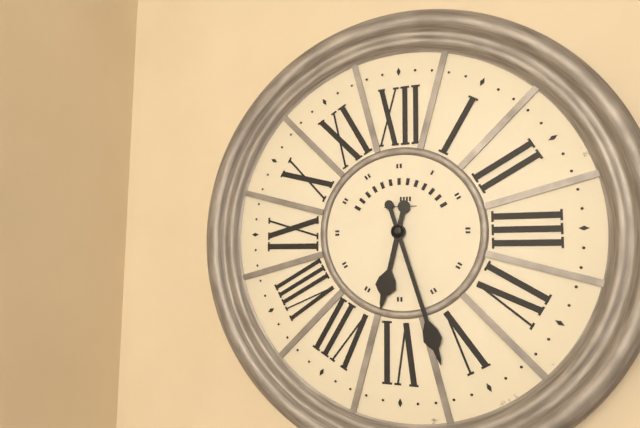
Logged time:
6h27
